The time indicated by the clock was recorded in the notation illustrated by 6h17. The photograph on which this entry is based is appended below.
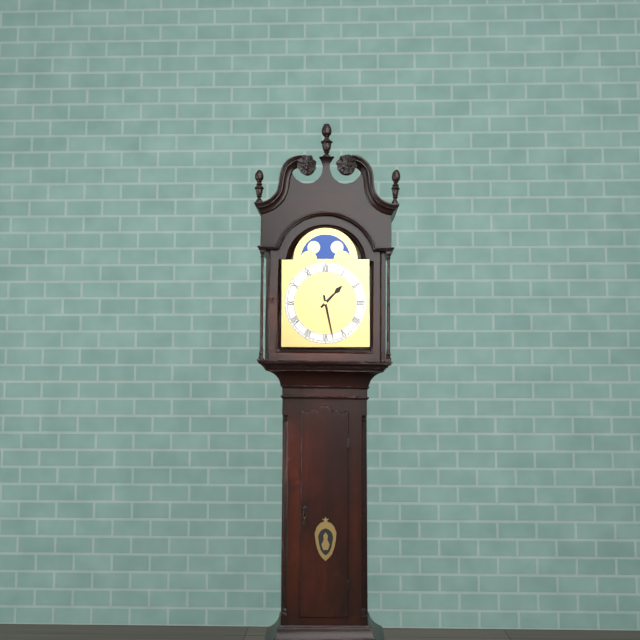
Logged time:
1h28
